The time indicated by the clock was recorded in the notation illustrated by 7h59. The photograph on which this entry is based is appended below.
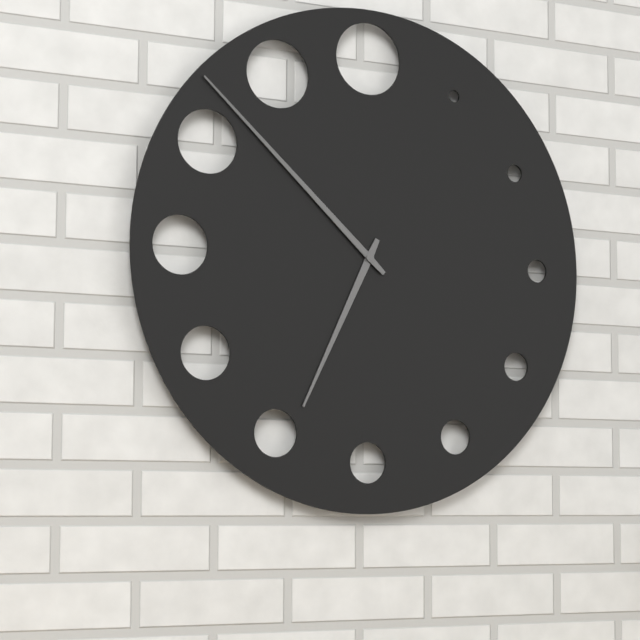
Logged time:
6h52
